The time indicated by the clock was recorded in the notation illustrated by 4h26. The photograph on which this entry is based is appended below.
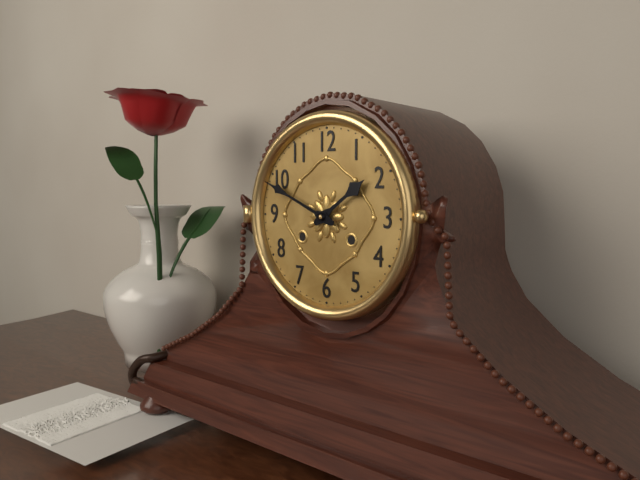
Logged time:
1h49
